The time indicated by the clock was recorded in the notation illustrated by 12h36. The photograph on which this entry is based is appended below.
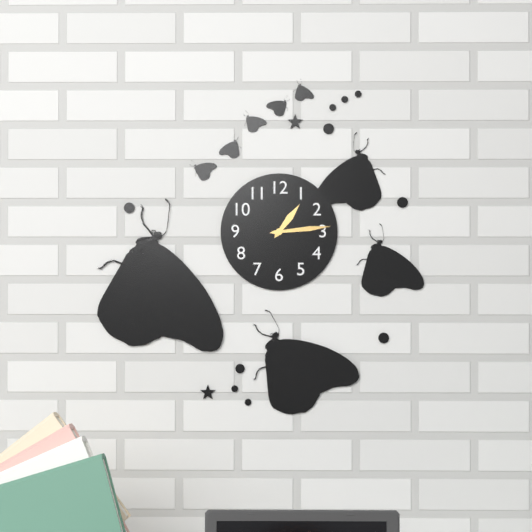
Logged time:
1h14
